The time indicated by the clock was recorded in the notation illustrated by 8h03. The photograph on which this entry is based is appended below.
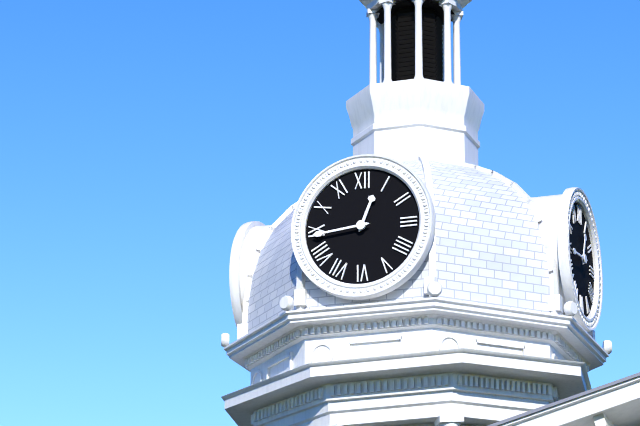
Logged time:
12h44
